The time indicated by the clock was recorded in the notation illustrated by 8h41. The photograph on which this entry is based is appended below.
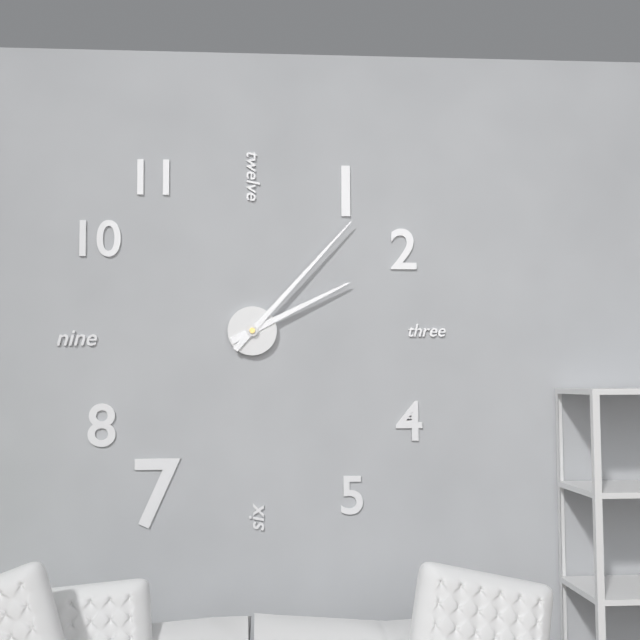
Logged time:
2h07
